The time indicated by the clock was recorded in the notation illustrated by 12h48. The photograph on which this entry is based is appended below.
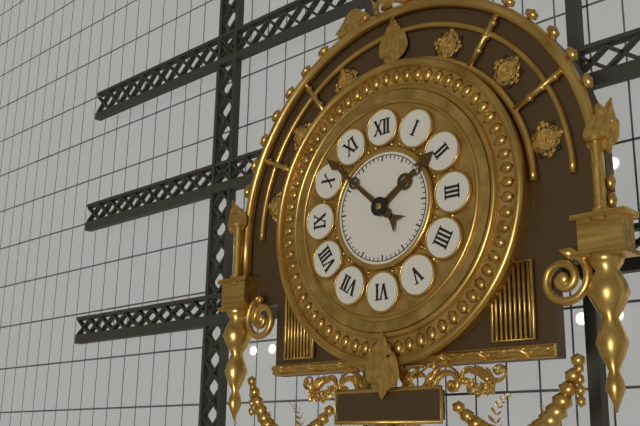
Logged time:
1h52
